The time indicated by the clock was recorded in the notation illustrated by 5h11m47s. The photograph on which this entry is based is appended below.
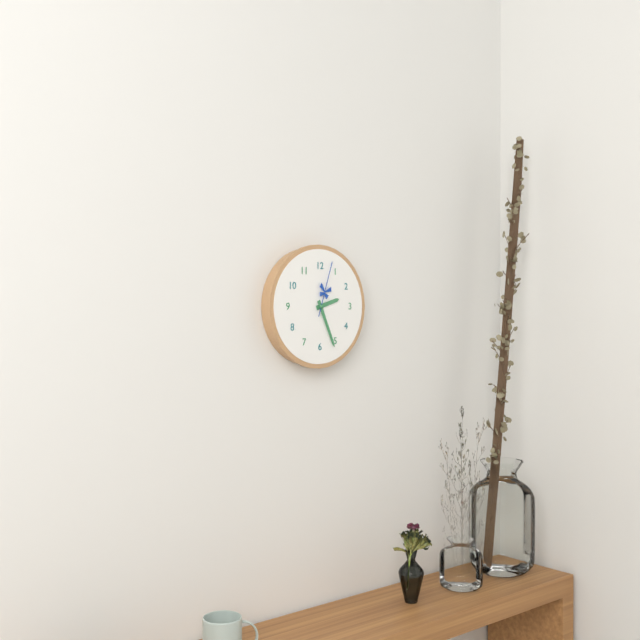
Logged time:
2h26m03s
